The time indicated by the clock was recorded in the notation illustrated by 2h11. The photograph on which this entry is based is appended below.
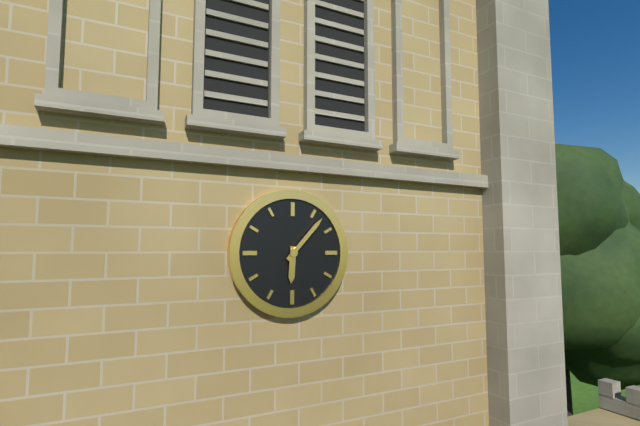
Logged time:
6h07
